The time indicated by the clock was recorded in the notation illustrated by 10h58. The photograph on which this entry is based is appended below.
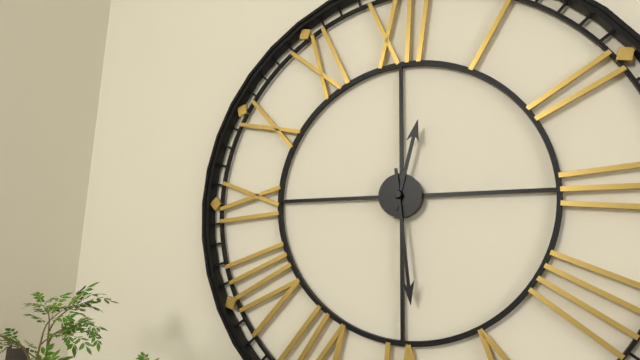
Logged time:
12h29
